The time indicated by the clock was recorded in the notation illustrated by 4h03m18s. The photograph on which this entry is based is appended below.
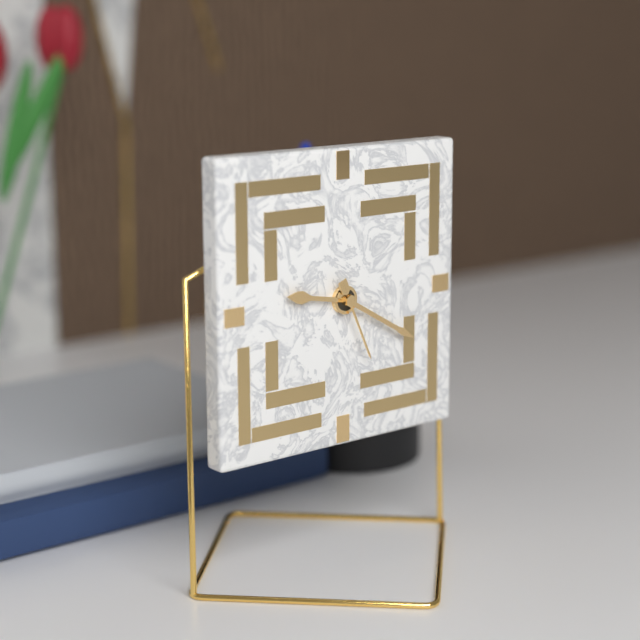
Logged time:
9h20m26s
